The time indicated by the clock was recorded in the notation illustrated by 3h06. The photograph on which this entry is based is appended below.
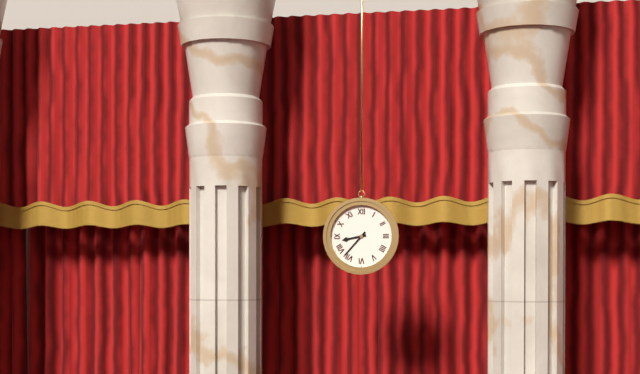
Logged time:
8h37
